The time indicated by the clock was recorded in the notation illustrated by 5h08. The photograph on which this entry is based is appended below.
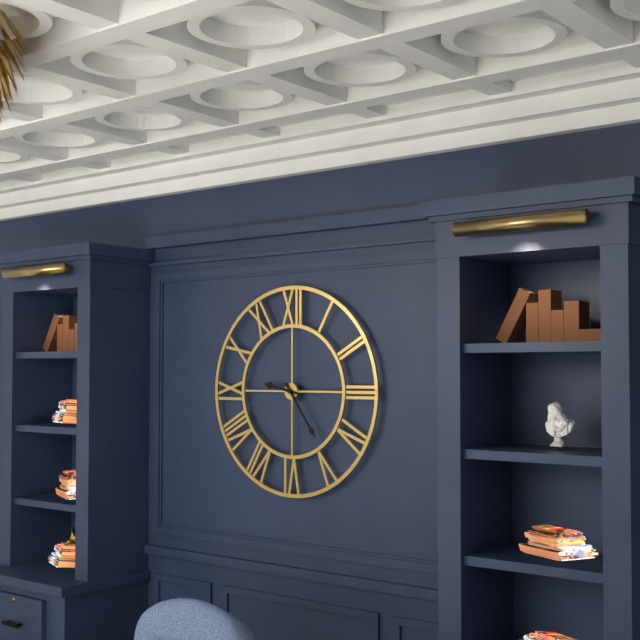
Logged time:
9h24
